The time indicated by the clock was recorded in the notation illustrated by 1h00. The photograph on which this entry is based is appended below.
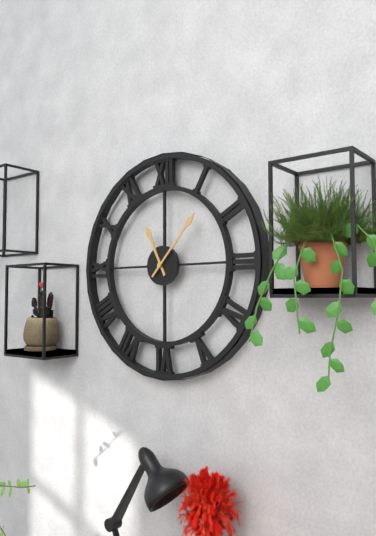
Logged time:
11h07
